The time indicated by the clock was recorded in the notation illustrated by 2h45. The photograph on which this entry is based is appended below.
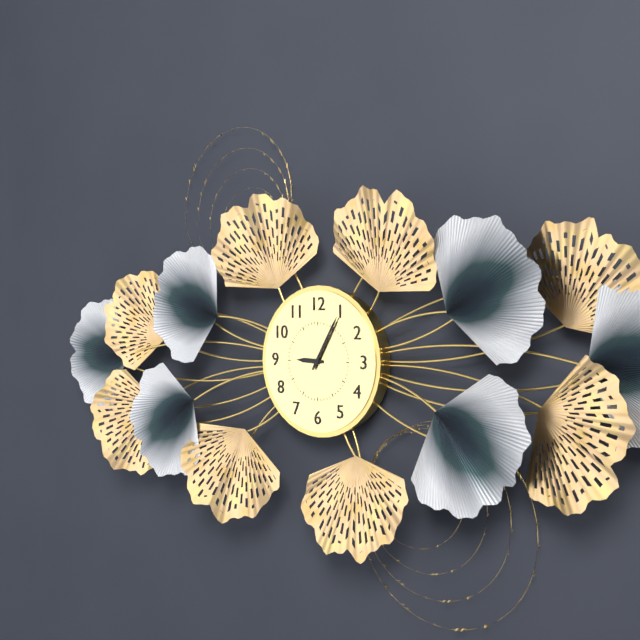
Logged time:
9h05
